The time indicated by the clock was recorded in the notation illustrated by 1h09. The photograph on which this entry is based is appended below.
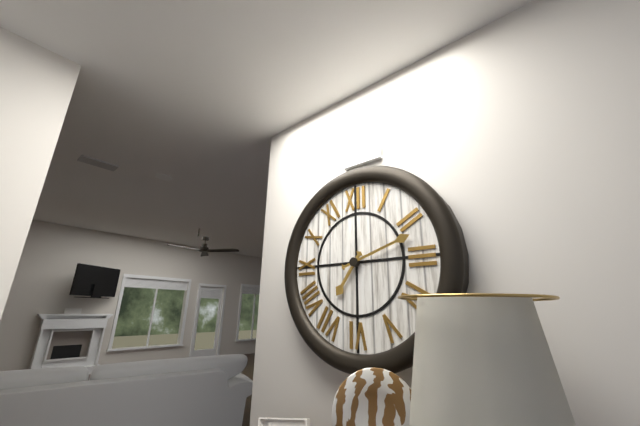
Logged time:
7h12
